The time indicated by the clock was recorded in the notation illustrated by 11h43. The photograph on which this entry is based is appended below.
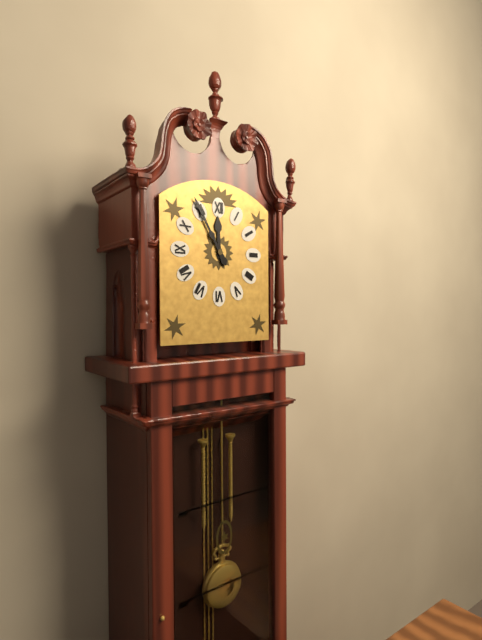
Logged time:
11h55
